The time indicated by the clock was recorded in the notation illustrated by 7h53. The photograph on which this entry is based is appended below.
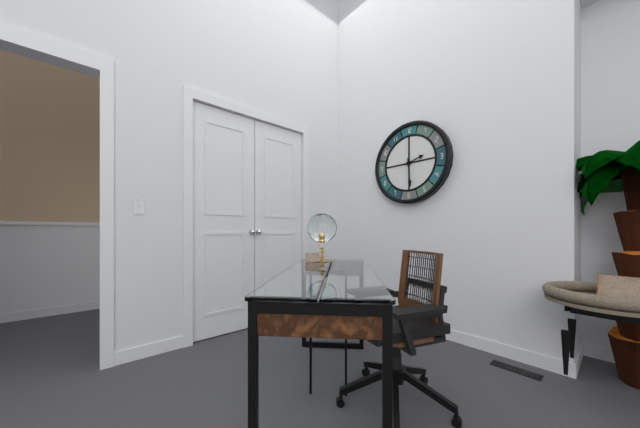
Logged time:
2h29
